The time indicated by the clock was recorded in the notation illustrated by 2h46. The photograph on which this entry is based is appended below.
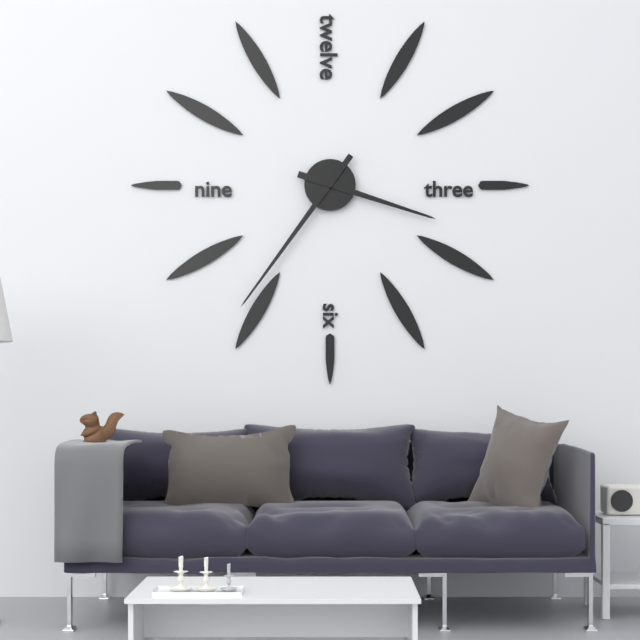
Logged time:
3h36
